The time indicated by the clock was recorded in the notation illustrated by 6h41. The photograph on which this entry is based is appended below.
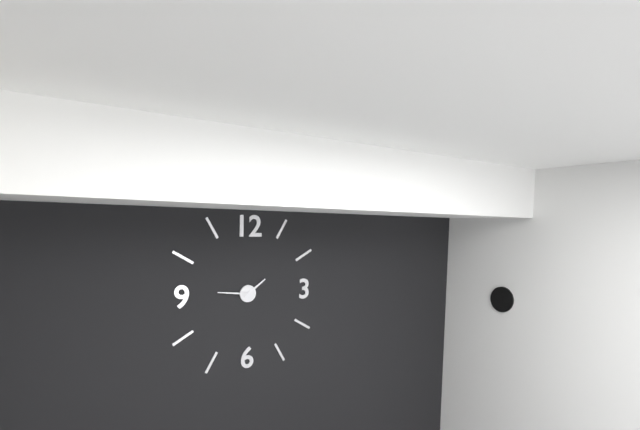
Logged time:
1h46
